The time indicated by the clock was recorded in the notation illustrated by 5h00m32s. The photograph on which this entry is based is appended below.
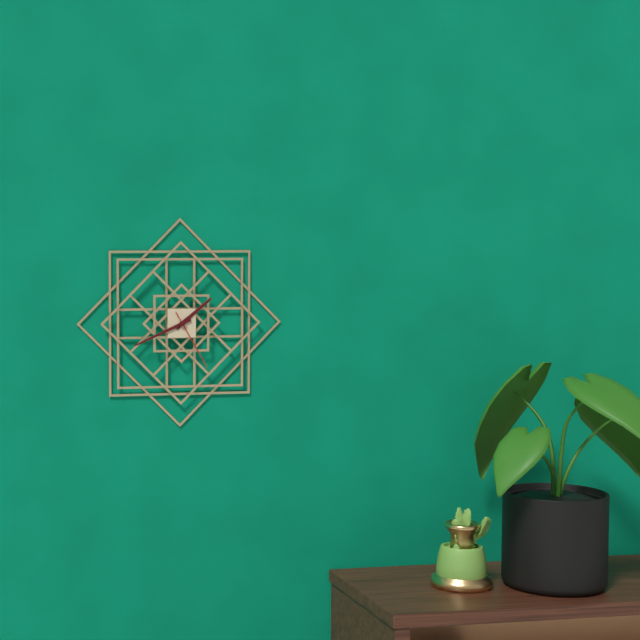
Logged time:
1h41m25s
